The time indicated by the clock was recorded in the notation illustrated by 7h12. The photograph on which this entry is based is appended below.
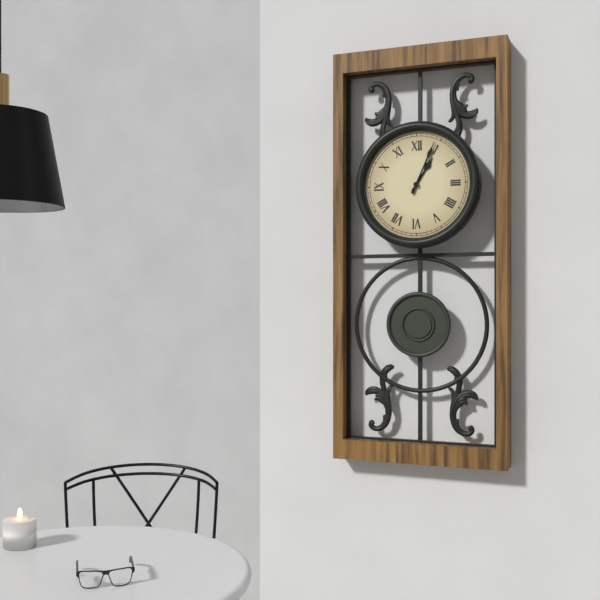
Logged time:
1h04
